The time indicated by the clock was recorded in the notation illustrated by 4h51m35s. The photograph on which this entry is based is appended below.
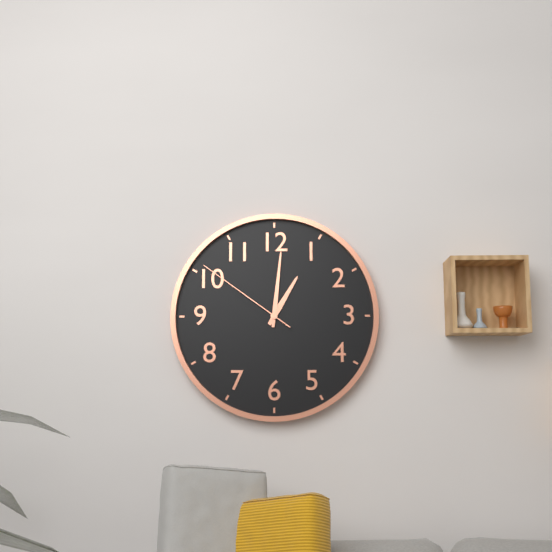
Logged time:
1h01m51s
